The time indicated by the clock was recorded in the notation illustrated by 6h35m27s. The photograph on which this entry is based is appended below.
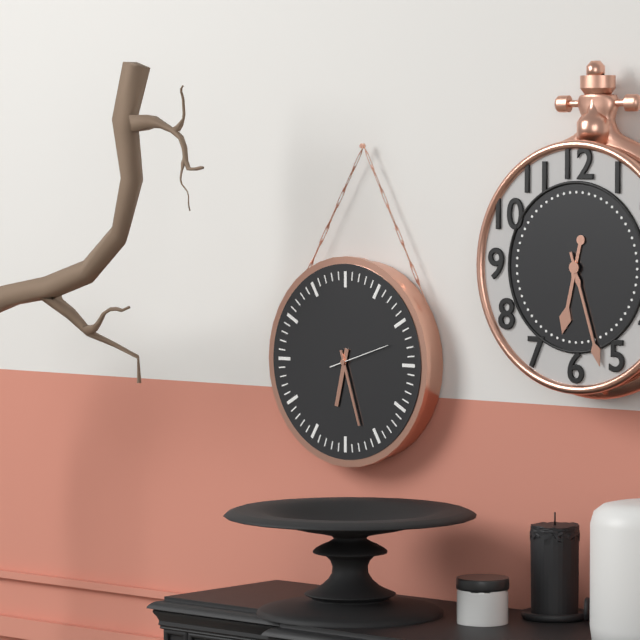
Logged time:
6h27m12s
